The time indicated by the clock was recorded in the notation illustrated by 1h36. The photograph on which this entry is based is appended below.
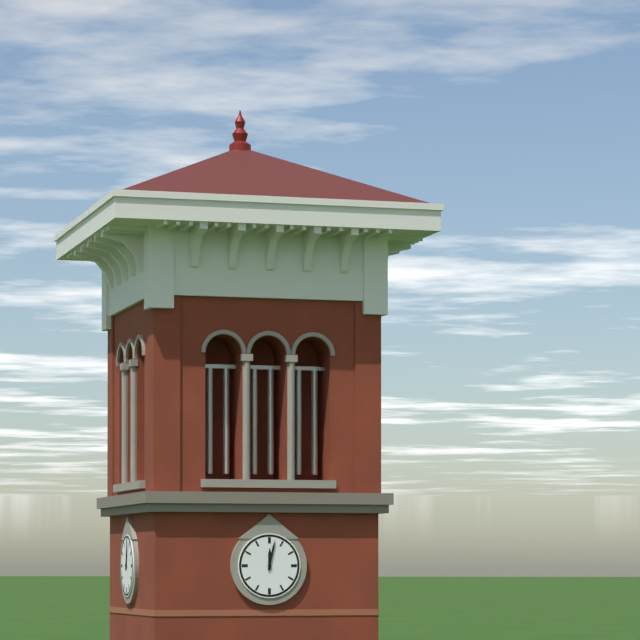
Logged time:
12h02
